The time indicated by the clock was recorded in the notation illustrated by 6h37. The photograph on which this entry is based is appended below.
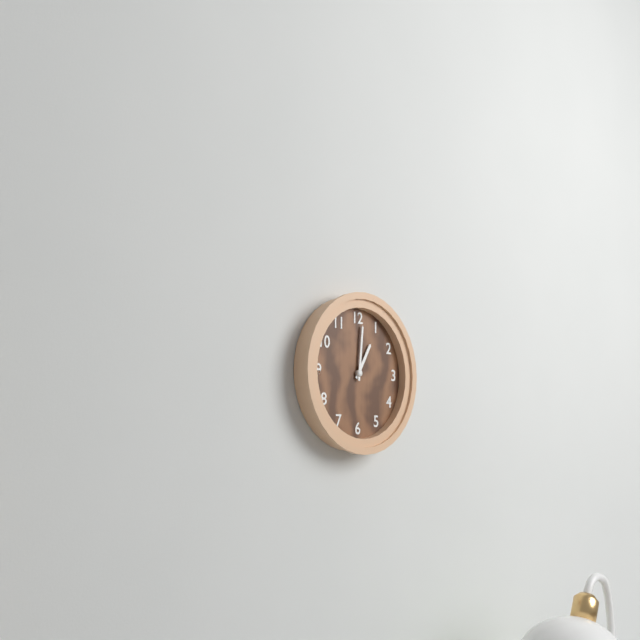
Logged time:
1h01
